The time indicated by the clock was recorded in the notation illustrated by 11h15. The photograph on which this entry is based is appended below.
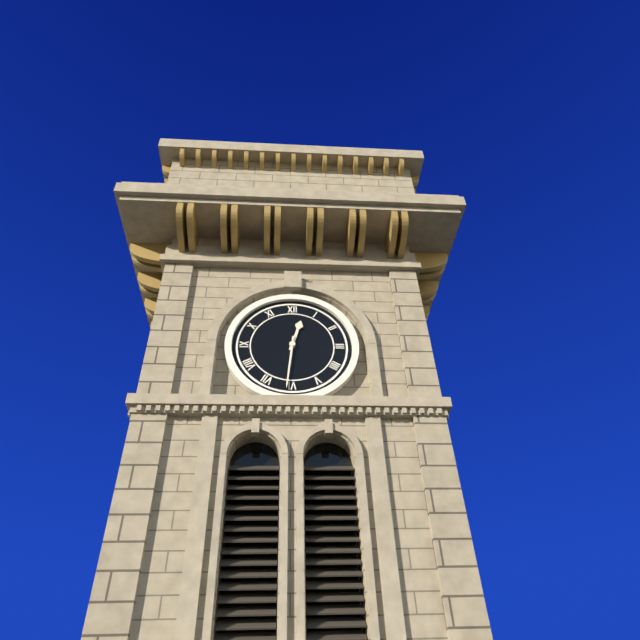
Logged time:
12h31
